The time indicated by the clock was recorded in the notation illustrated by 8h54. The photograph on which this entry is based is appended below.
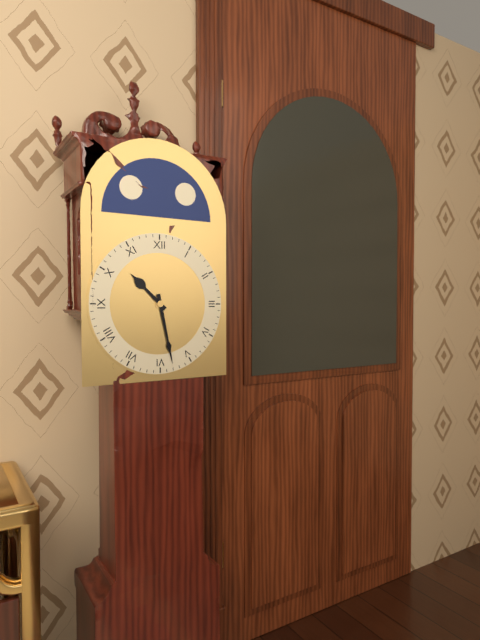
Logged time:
10h28
